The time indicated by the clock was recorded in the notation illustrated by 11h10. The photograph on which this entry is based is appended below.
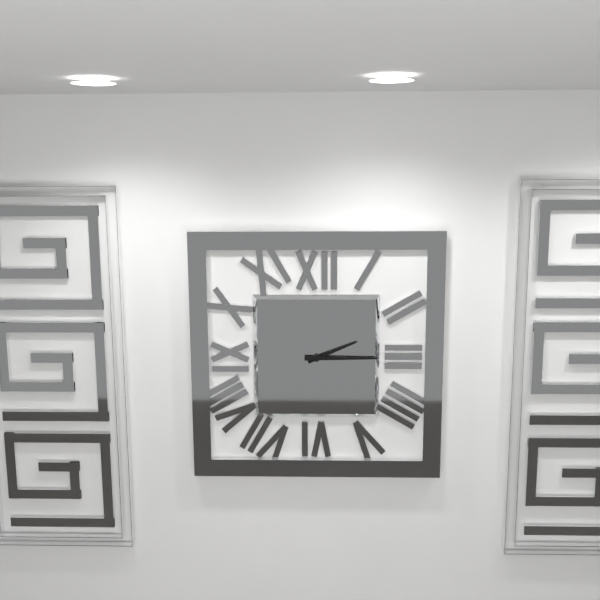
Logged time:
2h15
